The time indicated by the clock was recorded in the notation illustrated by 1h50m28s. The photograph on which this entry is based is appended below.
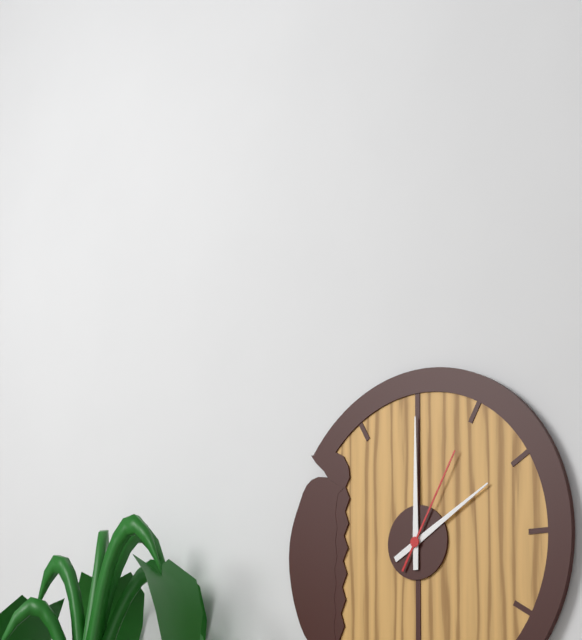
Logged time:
2h00m05s
